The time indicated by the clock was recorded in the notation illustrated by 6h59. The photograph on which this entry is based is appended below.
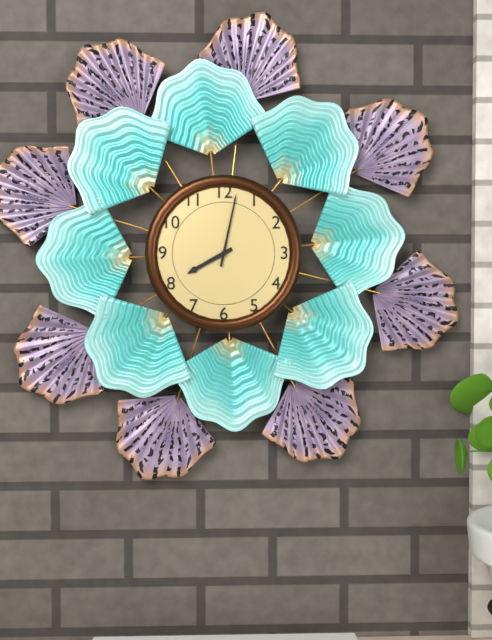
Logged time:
8h02
